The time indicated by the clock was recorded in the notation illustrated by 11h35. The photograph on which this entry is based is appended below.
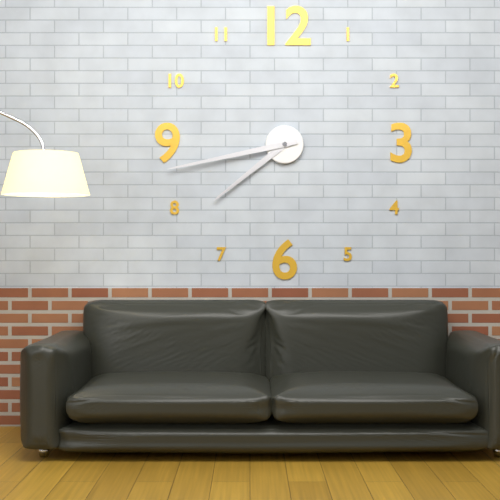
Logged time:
7h43
